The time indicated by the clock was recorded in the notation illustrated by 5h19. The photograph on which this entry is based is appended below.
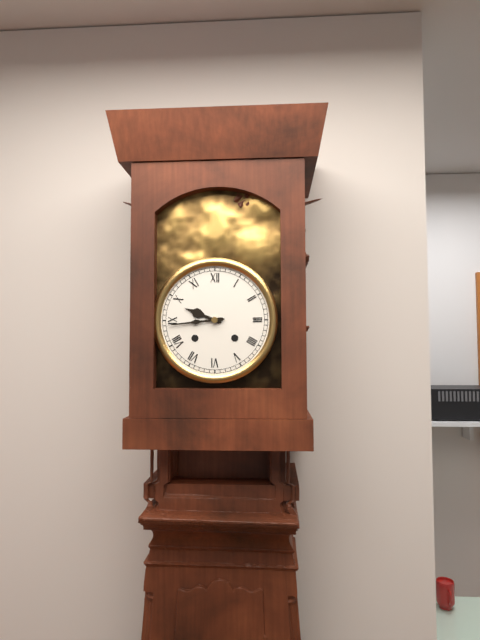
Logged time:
9h44
